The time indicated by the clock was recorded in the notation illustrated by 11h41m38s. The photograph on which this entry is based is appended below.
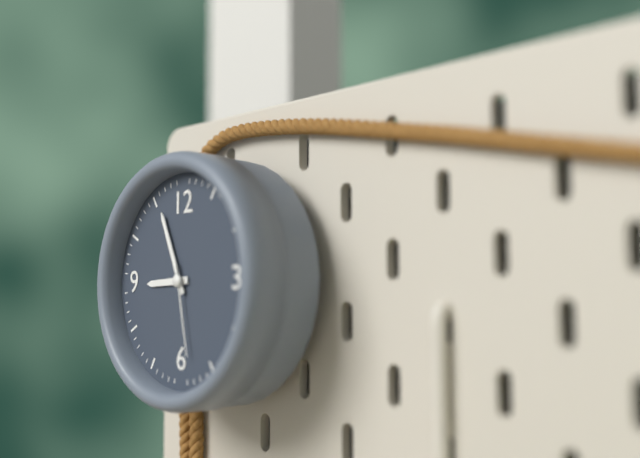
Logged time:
8h56m28s
